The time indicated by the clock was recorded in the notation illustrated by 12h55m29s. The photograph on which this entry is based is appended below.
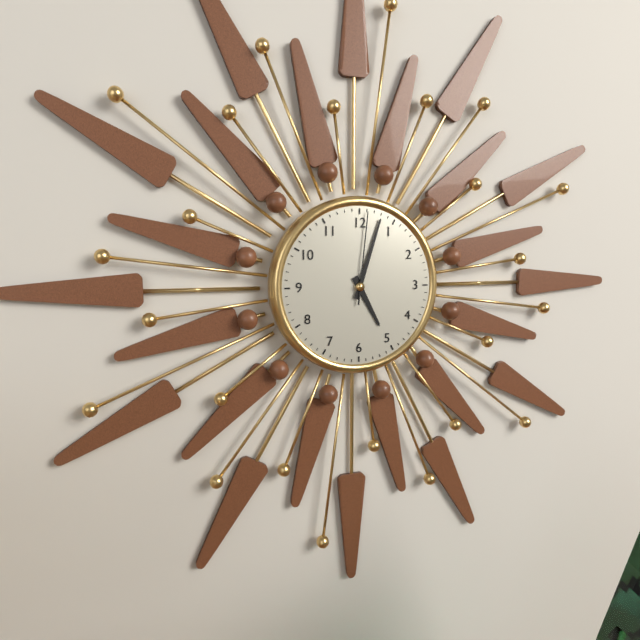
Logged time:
5h03m01s
